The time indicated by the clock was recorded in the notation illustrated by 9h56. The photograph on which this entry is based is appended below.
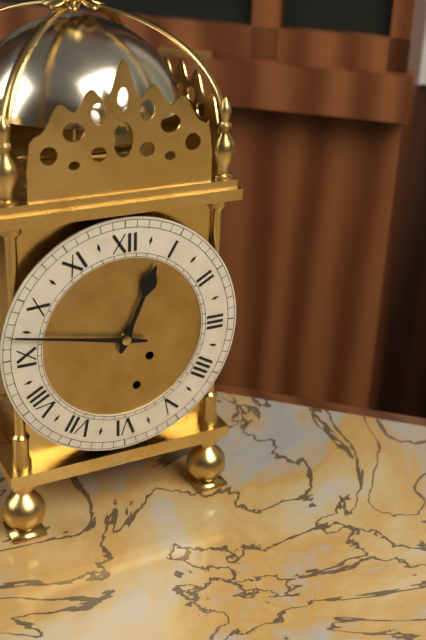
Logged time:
12h47
